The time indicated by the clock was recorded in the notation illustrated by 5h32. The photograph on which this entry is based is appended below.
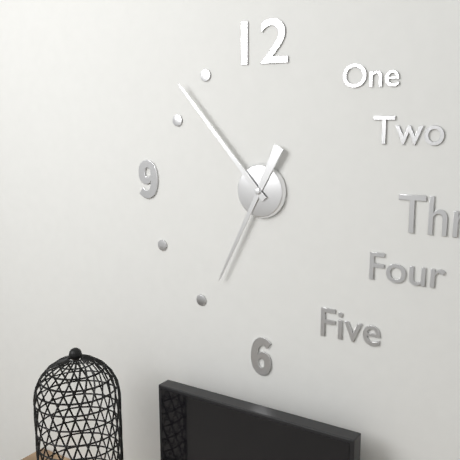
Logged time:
6h53
